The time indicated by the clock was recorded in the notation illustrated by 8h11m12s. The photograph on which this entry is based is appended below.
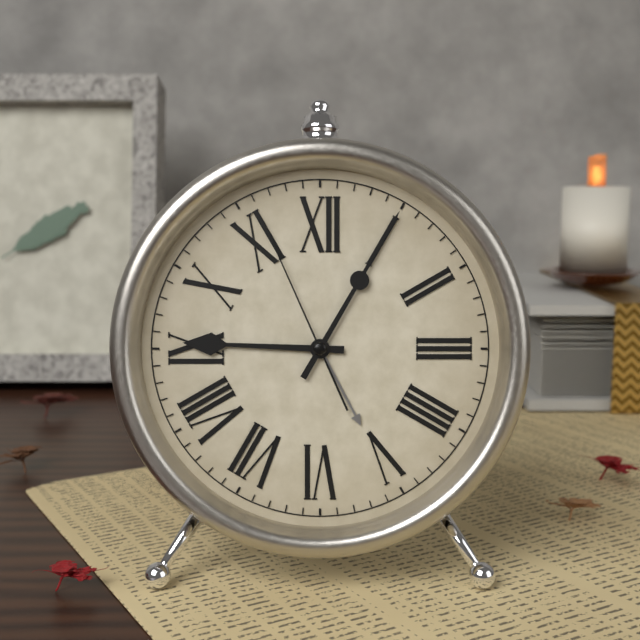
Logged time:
9h05m56s
